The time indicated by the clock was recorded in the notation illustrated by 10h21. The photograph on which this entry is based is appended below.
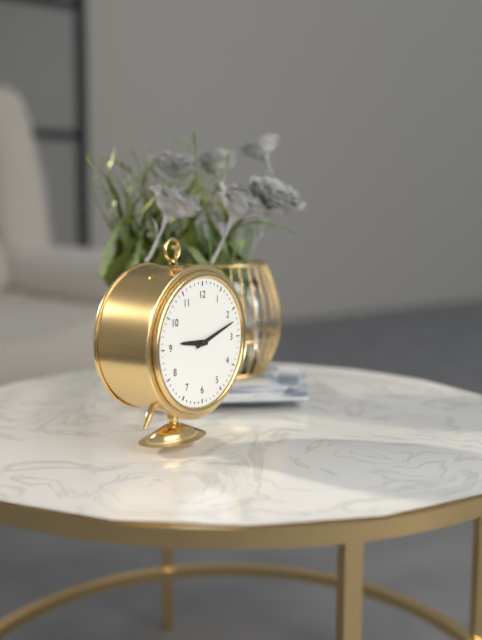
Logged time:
9h12
